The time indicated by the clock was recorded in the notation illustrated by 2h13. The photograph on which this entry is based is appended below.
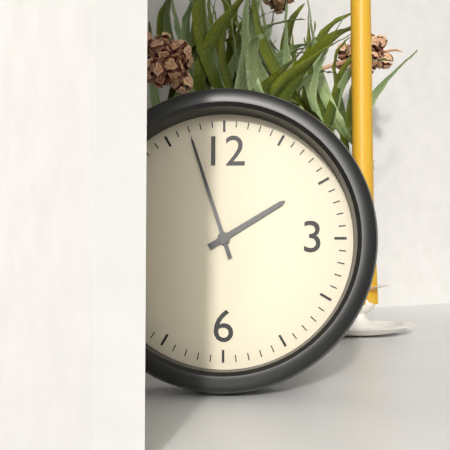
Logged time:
1h57
